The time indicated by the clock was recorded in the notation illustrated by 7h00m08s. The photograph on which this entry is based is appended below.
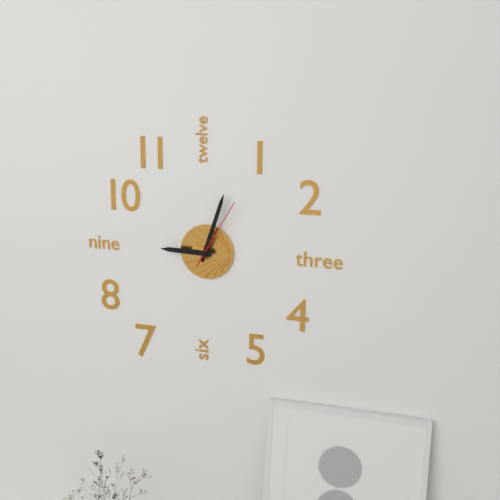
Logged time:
9h03m05s
